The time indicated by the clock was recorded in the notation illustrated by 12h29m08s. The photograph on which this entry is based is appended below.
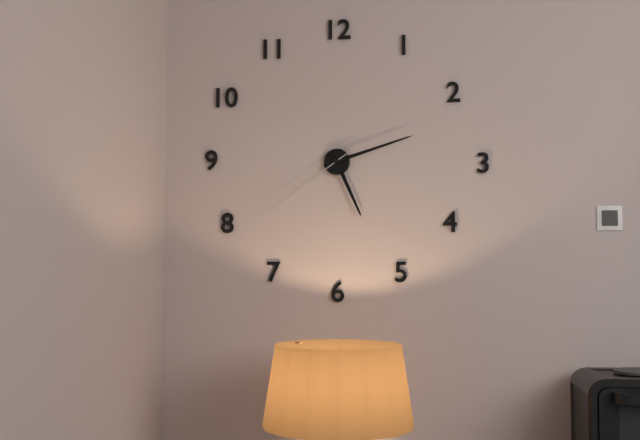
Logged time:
5h12m39s
